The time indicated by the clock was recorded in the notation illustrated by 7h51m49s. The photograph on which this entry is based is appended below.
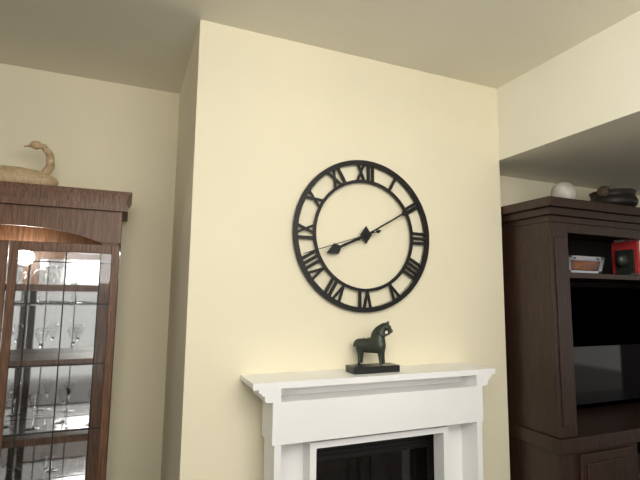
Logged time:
8h10m42s
